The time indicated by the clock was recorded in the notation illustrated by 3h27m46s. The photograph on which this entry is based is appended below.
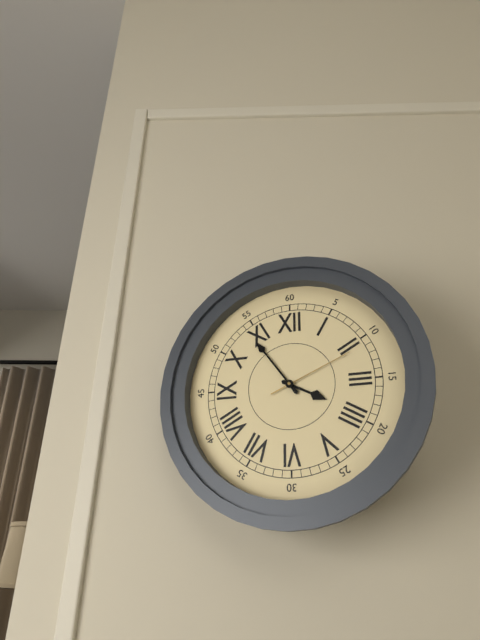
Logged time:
3h54m11s
